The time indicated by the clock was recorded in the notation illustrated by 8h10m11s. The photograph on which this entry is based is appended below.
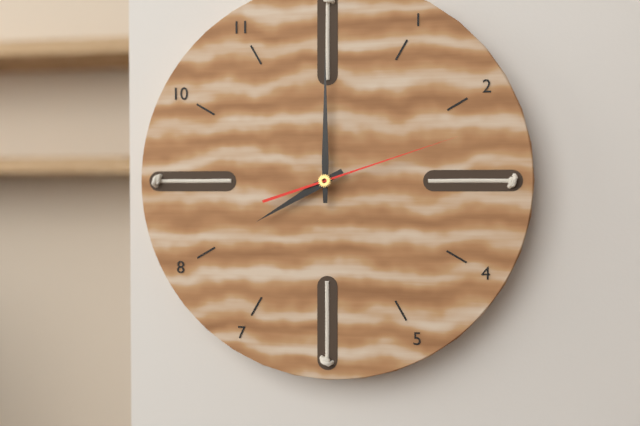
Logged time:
8h00m12s
